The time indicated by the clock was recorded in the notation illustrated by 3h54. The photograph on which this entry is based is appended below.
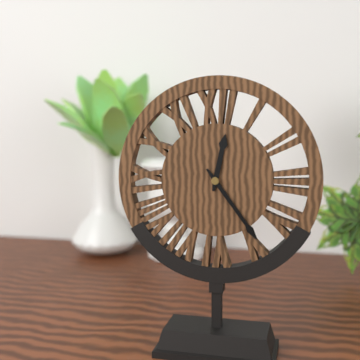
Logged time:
12h24
